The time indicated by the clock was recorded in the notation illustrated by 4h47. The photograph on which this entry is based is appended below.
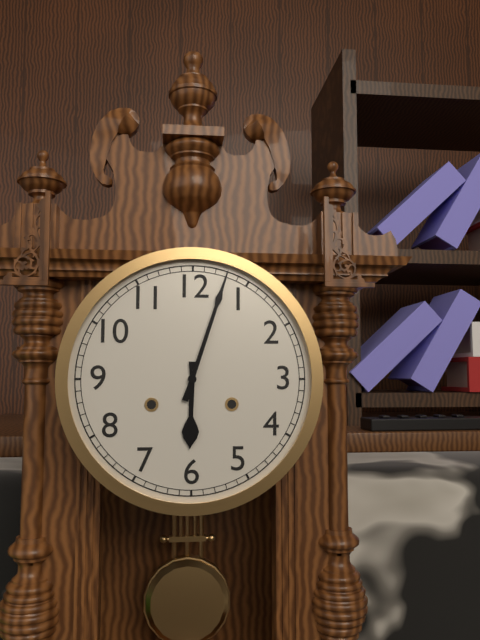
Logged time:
6h03
